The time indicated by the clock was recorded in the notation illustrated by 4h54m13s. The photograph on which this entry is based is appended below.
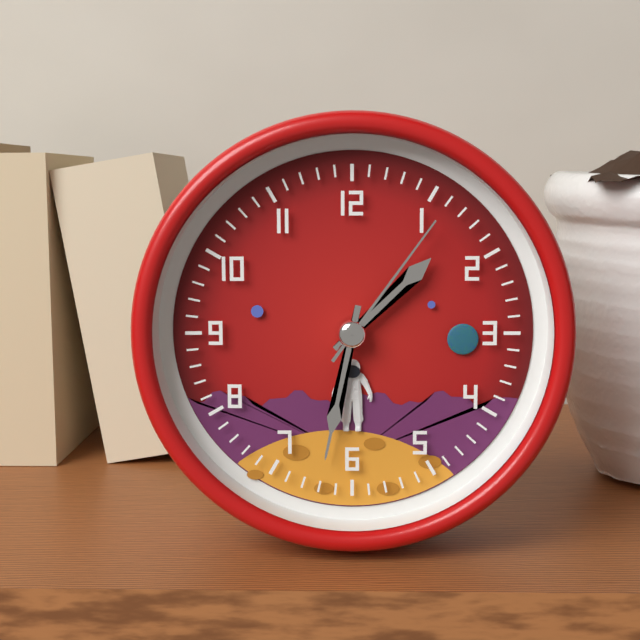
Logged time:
1h32m06s
